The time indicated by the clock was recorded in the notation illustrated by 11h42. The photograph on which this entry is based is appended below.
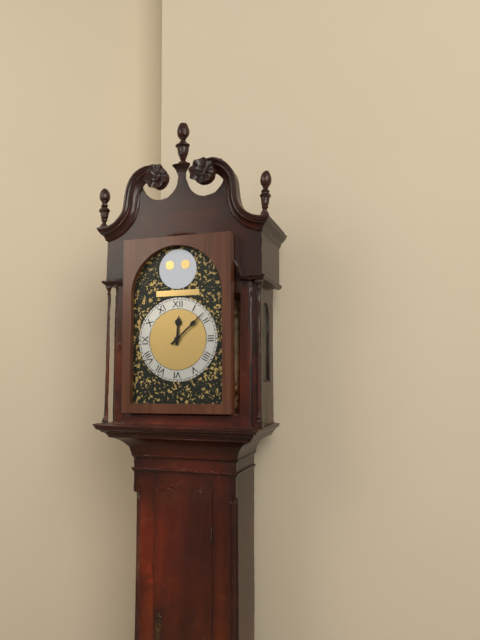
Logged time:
12h08
